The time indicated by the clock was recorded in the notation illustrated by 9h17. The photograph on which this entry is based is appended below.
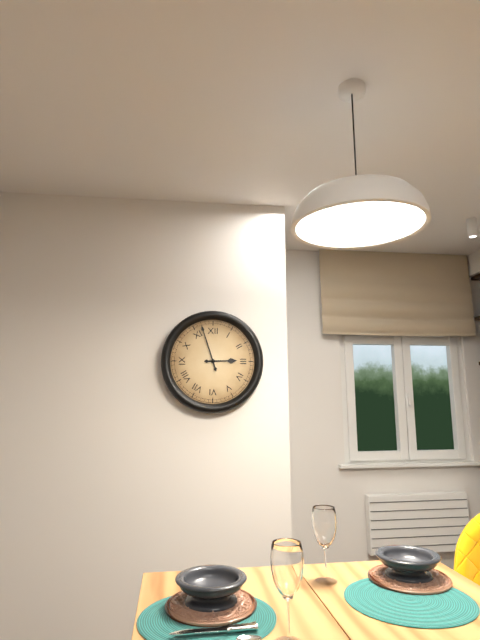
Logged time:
2h57
